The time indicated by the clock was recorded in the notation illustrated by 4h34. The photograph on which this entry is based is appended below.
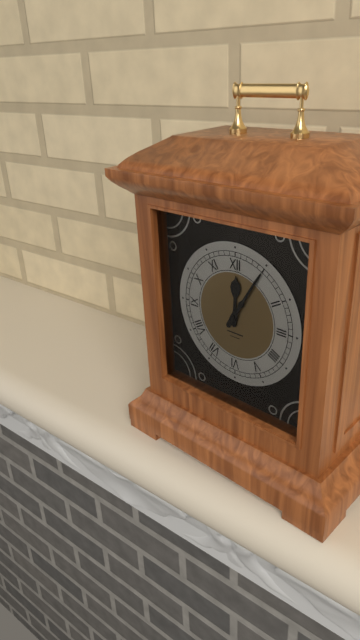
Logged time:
12h05
